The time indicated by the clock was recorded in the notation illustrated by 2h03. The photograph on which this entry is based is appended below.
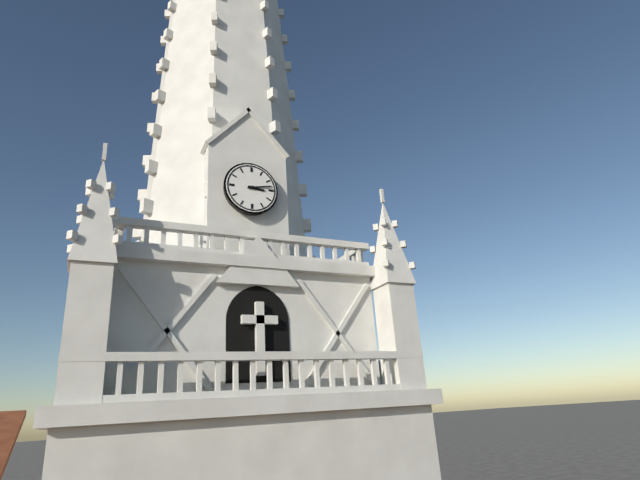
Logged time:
3h13
